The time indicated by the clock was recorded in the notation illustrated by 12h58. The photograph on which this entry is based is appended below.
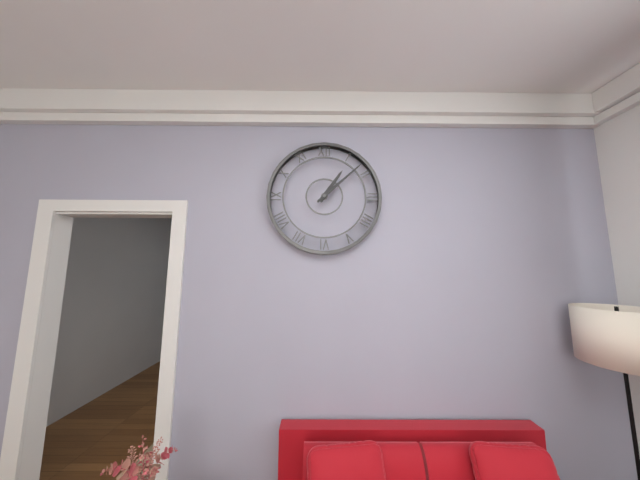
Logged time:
1h08
